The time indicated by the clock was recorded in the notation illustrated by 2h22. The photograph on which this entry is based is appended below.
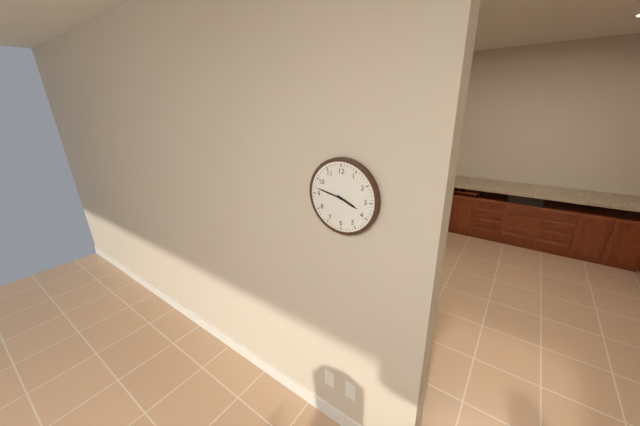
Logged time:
3h47
